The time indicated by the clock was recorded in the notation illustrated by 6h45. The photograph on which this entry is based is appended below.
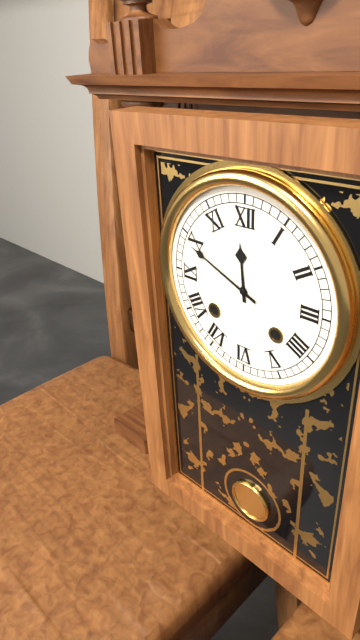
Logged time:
11h49
